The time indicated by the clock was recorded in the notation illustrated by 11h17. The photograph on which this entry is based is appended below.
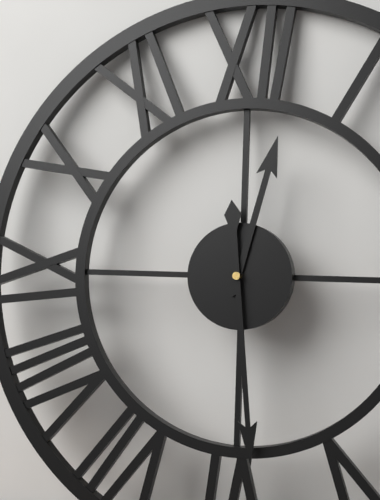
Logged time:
12h29
